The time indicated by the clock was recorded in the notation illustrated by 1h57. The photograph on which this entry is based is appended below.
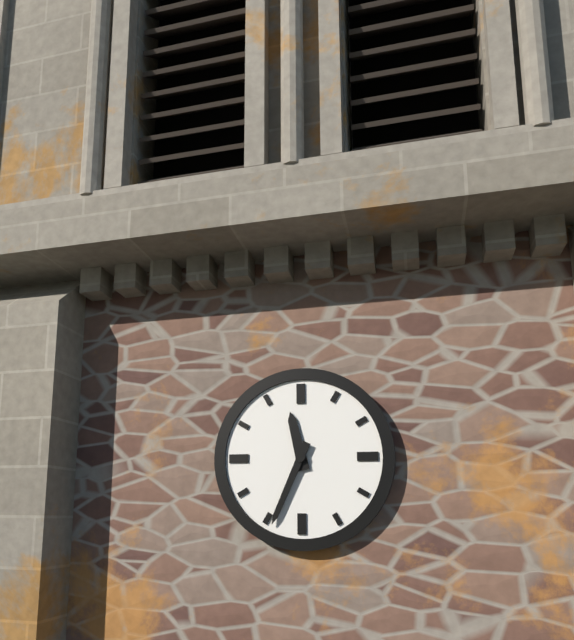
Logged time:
11h34
